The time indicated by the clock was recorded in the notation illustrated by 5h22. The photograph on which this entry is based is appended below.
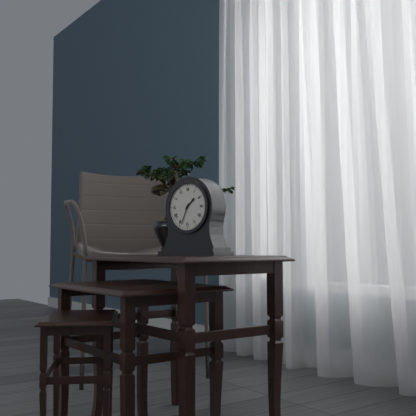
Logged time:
1h34
